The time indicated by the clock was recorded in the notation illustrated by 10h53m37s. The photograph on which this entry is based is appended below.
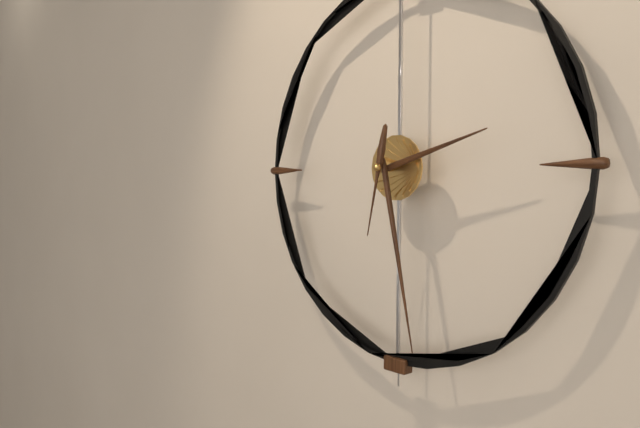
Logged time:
2h28m32s
